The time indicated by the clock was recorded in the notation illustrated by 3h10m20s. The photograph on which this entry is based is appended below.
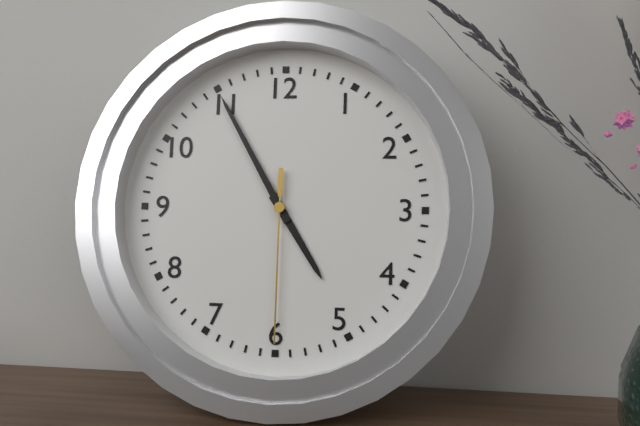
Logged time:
4h55m30s
